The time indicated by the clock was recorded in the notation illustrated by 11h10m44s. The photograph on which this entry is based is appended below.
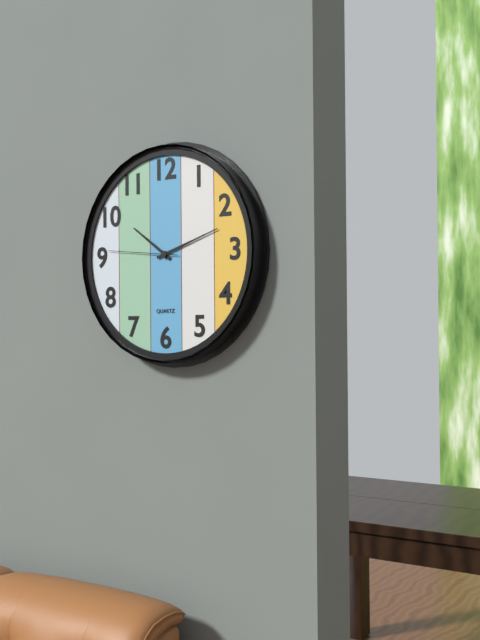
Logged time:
10h12m46s
